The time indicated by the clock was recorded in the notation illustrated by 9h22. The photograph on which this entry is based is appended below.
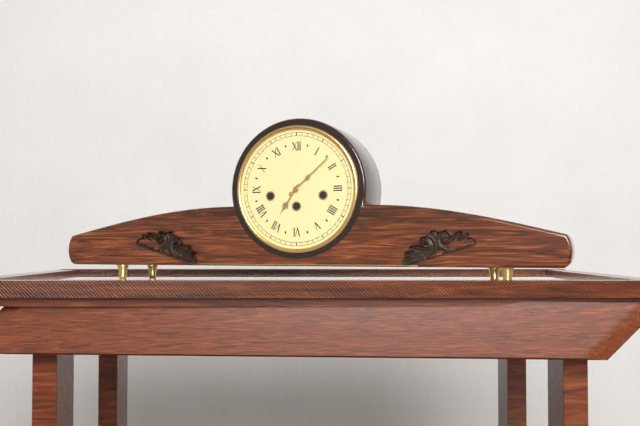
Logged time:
7h08
